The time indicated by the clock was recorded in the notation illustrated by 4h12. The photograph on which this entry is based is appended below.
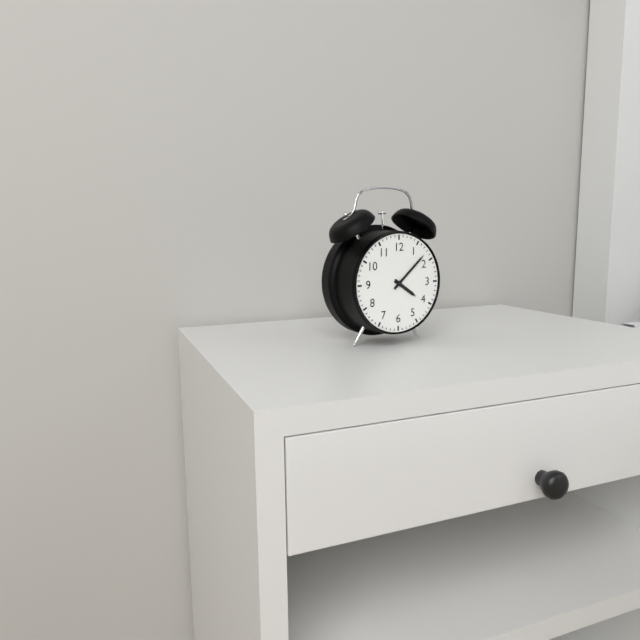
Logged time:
4h08
